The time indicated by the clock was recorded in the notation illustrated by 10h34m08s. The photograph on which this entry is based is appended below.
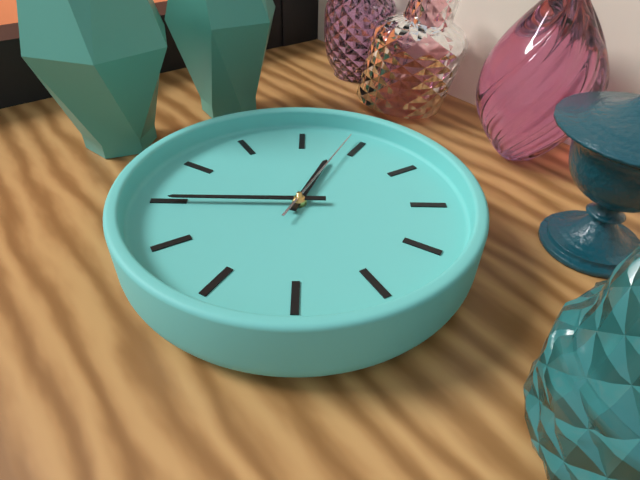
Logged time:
11h40m59s
